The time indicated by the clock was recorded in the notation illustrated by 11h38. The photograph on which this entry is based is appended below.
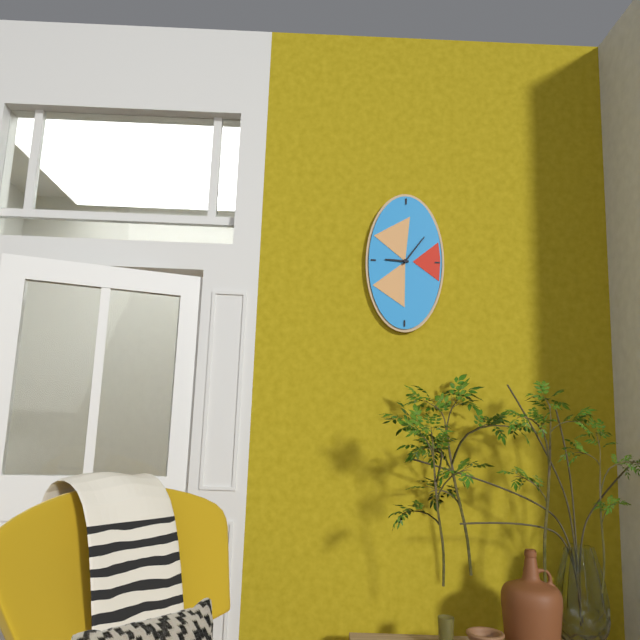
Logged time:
9h06
